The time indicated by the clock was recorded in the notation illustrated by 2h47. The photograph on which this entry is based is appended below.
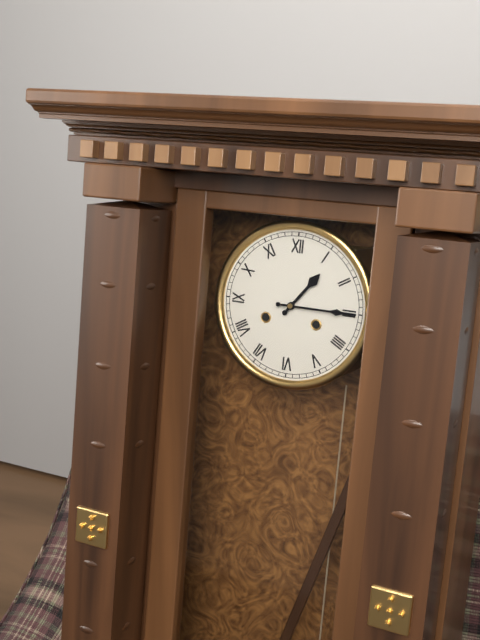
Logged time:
1h15
